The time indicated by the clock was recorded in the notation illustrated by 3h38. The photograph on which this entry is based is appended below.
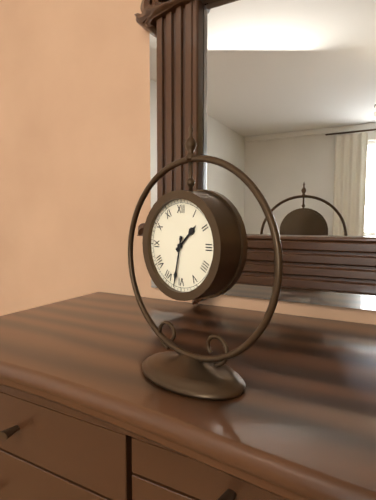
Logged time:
1h32
